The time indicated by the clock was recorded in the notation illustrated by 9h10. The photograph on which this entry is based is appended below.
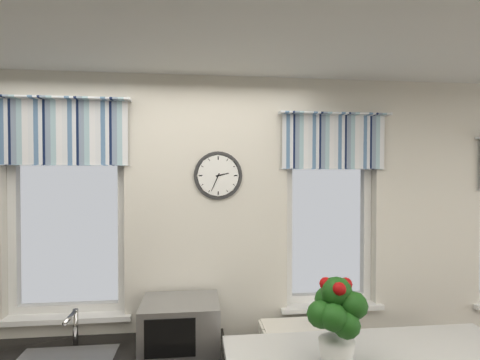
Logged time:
2h34
